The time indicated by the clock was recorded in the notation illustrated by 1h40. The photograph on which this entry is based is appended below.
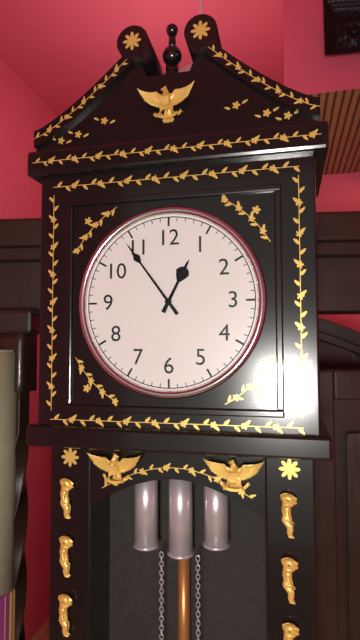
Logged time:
12h54
